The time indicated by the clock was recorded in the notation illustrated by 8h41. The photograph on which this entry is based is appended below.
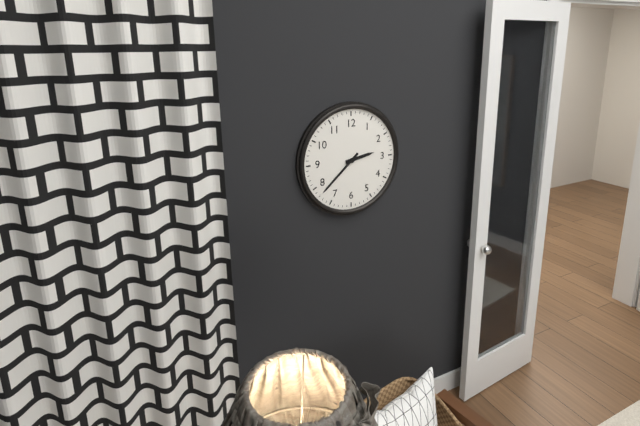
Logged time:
2h38
